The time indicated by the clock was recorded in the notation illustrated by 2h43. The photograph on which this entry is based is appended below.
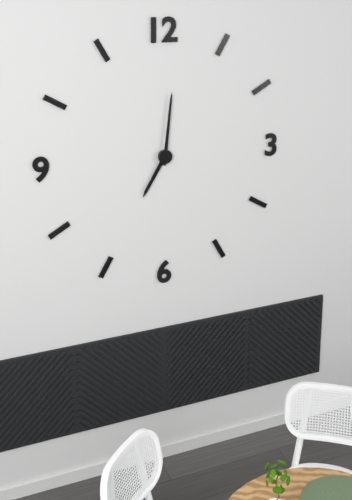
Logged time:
7h01
